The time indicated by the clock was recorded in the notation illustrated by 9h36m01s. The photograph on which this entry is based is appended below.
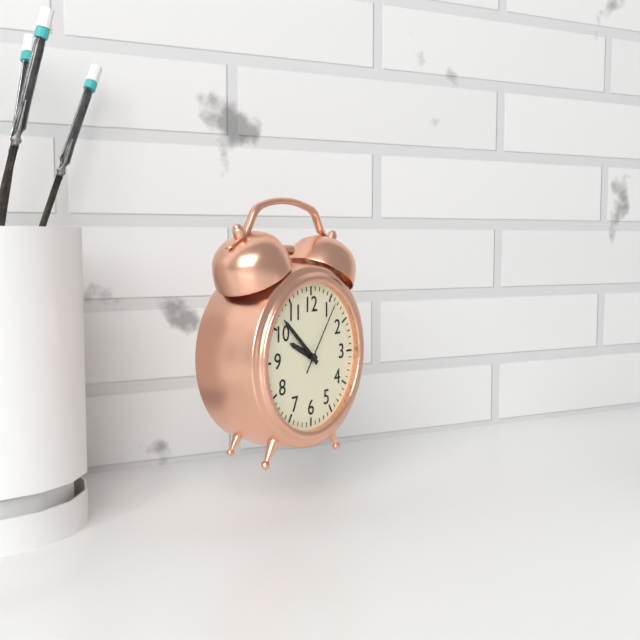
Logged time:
9h52m06s
